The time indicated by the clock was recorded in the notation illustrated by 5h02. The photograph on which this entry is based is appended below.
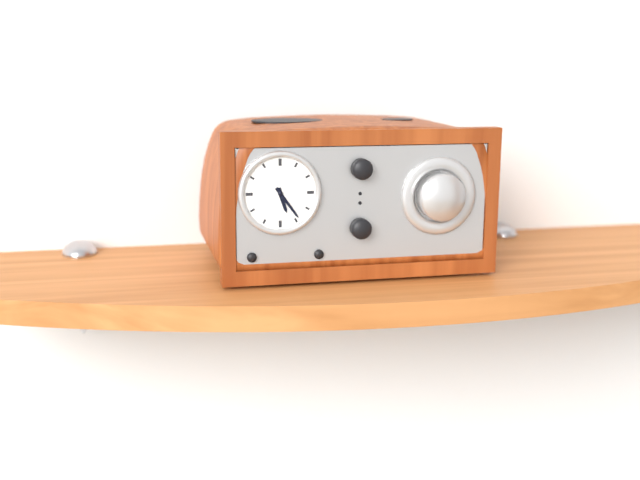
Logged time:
5h24
